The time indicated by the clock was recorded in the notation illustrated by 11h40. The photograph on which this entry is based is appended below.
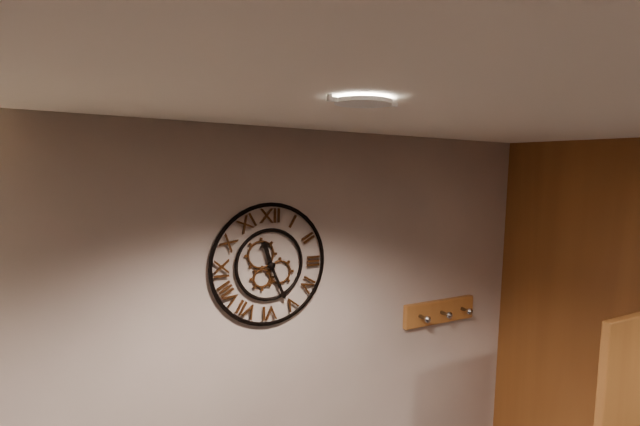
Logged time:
11h26
